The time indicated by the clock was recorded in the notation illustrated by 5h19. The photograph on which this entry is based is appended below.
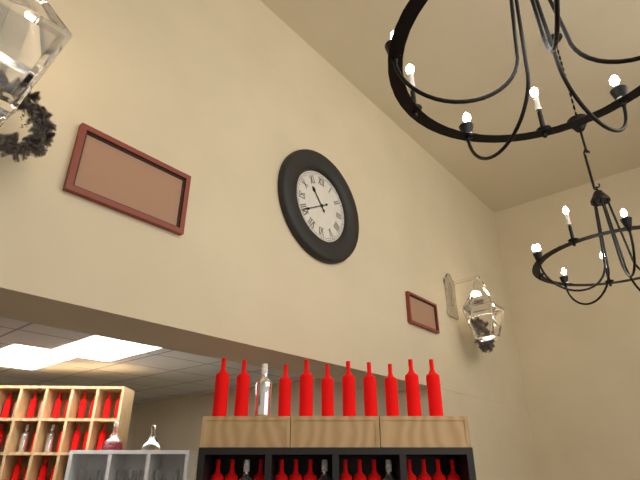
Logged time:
10h40
